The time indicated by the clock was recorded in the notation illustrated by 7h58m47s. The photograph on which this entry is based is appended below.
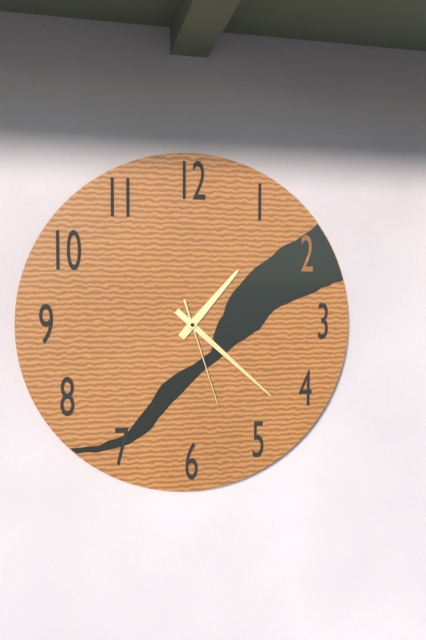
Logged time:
1h22m27s
